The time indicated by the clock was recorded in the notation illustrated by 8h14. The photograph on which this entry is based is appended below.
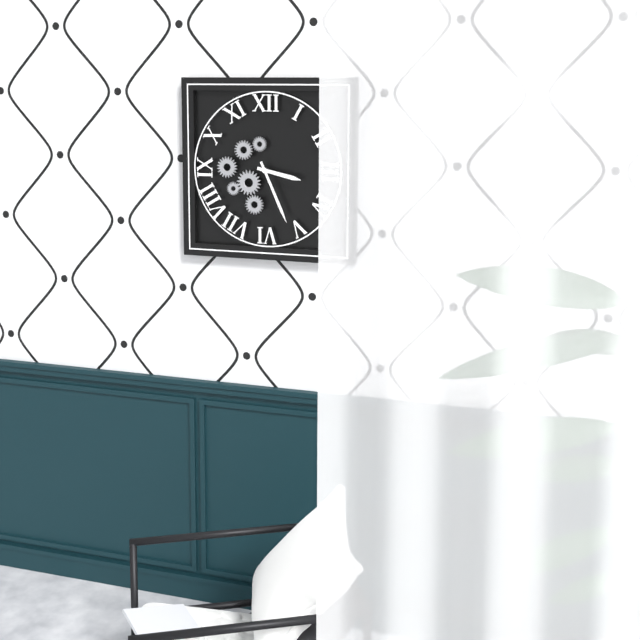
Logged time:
3h26
